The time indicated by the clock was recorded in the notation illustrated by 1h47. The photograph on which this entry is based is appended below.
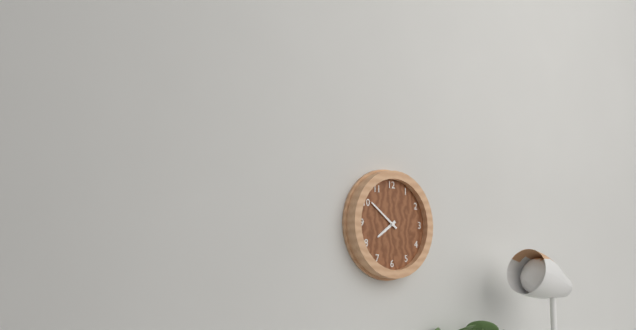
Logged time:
7h51
